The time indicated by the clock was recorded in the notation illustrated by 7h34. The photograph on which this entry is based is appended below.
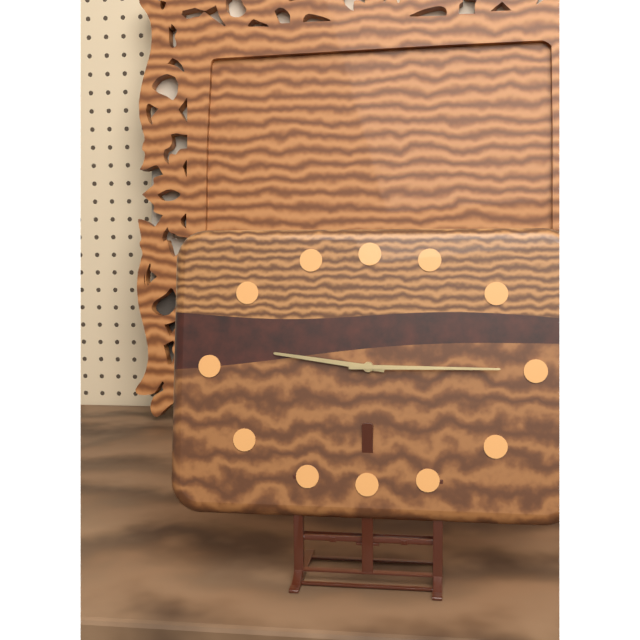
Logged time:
9h15
